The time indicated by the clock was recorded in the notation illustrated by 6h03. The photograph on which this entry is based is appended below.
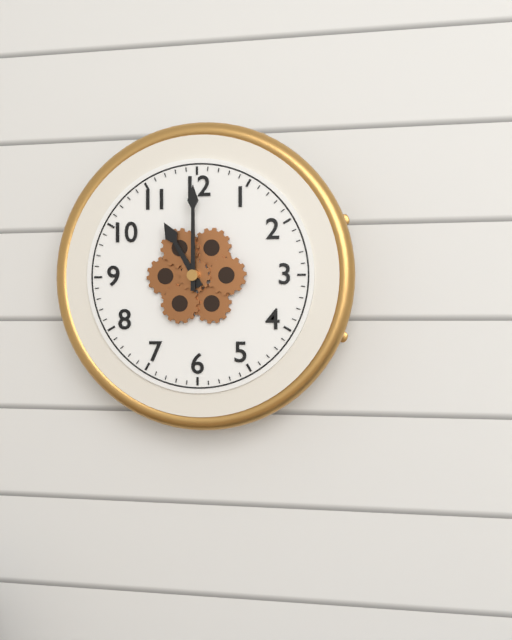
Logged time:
11h00
